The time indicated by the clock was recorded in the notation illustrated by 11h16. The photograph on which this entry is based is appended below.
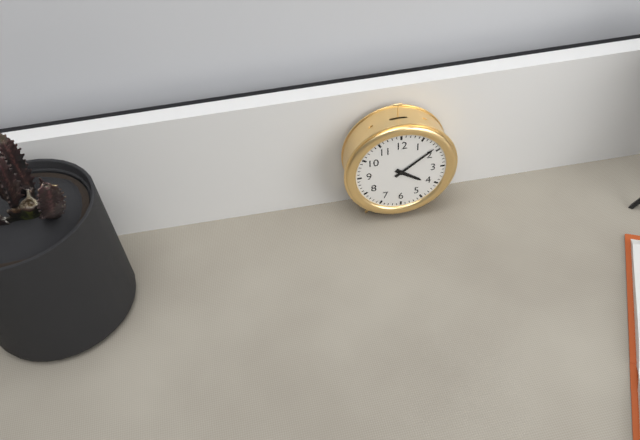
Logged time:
4h09
